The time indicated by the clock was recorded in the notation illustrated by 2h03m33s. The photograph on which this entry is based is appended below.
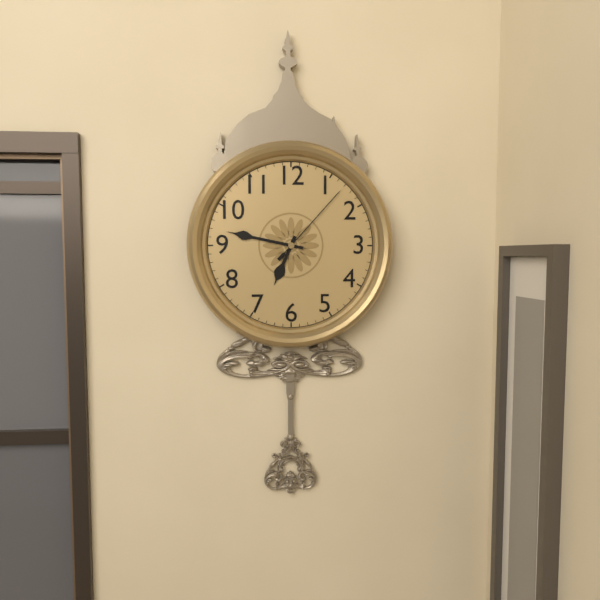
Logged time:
6h47m07s
